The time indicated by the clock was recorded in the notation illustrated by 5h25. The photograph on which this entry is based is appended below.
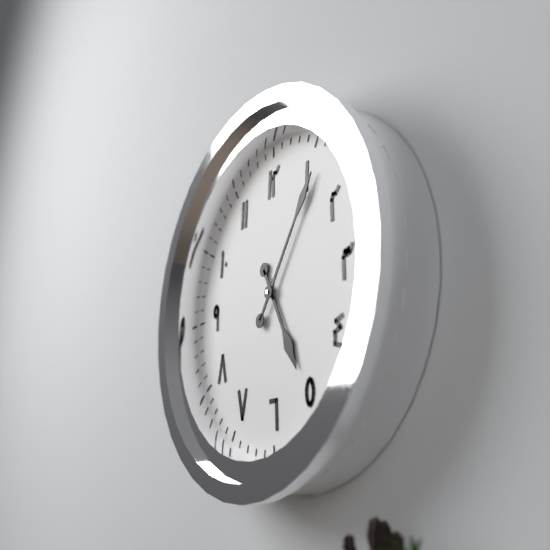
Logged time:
5h06
